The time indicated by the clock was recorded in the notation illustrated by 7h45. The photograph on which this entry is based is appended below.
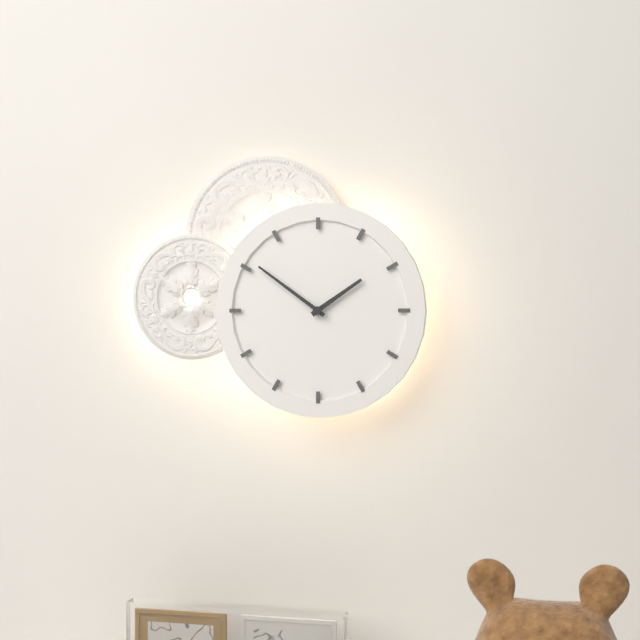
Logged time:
1h51
